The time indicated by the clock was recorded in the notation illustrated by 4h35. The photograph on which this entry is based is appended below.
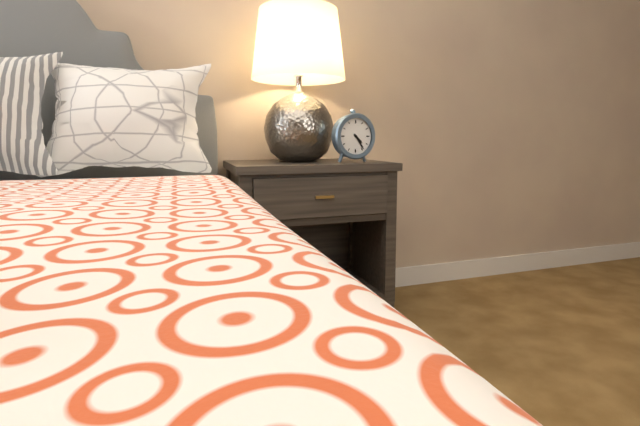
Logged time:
4h24
